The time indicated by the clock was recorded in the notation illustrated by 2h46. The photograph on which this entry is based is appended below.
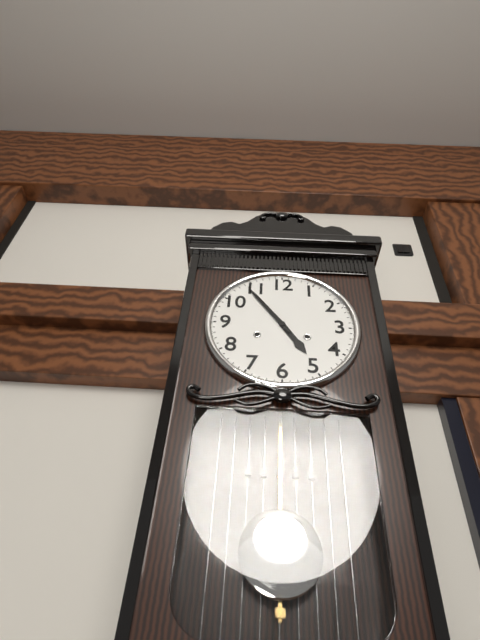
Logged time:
4h54
